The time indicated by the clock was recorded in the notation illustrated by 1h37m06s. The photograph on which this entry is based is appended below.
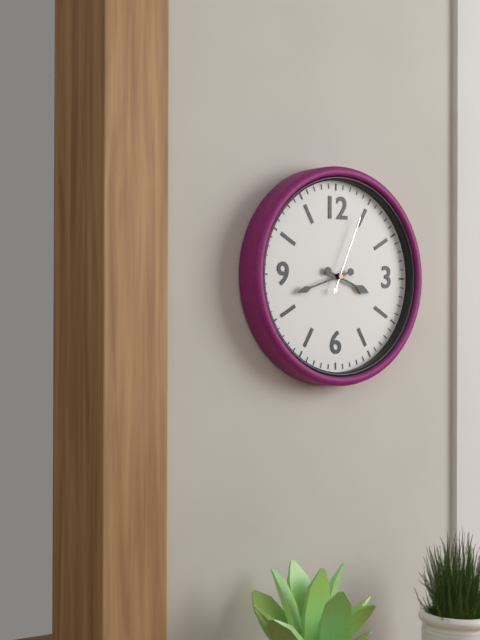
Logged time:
3h42m04s
